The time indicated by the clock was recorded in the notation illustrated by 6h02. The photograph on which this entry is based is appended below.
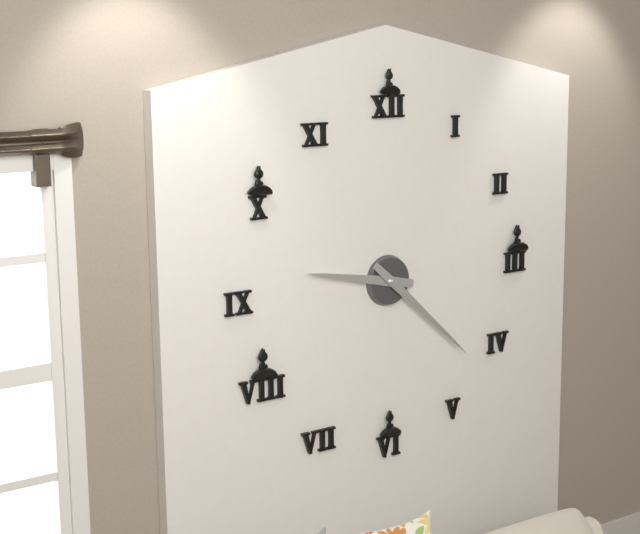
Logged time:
9h22
